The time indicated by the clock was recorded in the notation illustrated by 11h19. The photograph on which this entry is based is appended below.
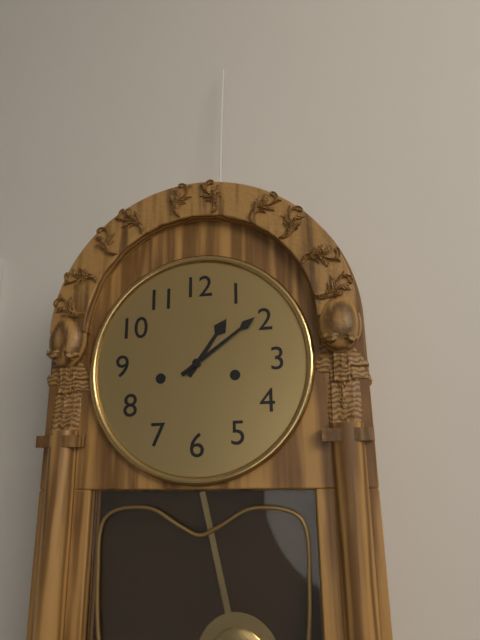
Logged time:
1h09
